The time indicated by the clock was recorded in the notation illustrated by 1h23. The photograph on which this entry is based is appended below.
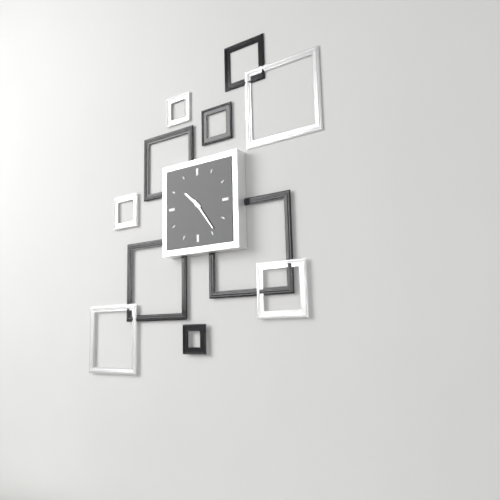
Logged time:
10h24
